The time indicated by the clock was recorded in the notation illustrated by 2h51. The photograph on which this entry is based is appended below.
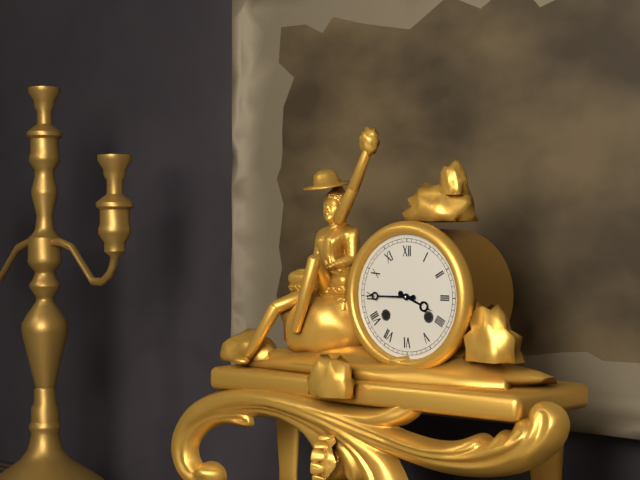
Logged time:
3h45
